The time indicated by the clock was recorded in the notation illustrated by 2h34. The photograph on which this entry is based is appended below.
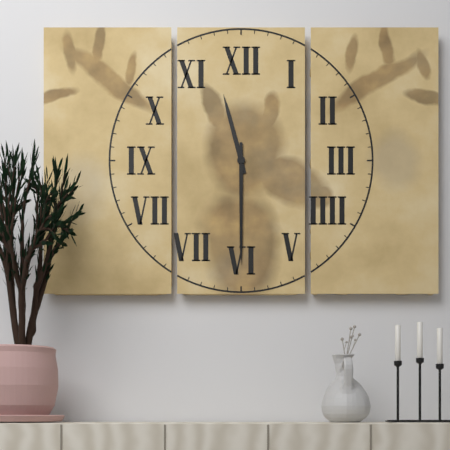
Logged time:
11h30
